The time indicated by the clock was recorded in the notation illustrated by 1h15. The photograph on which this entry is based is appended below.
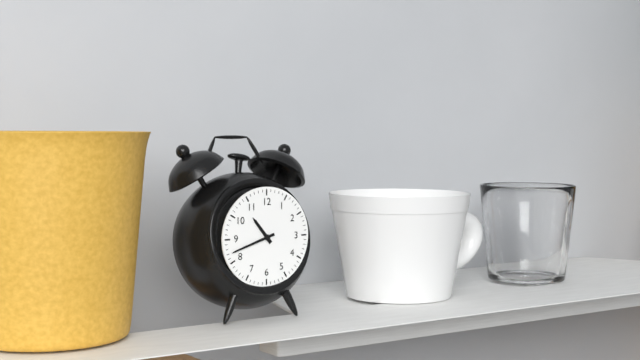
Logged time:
10h42
